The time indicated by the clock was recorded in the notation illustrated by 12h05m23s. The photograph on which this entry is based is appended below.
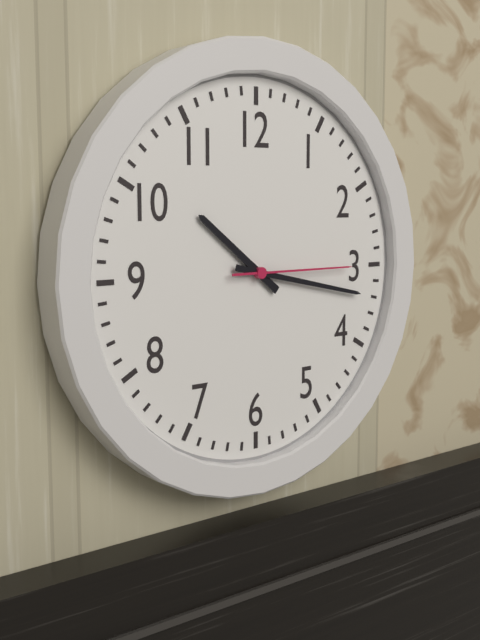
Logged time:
10h17m15s
